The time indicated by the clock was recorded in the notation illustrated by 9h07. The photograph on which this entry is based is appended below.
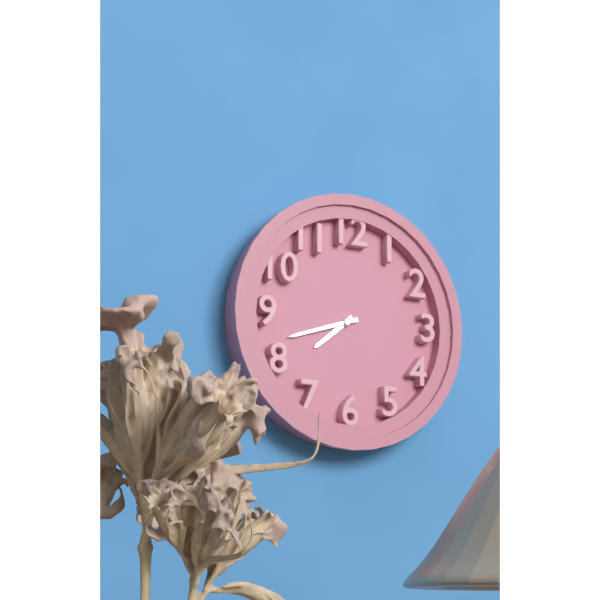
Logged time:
7h42
